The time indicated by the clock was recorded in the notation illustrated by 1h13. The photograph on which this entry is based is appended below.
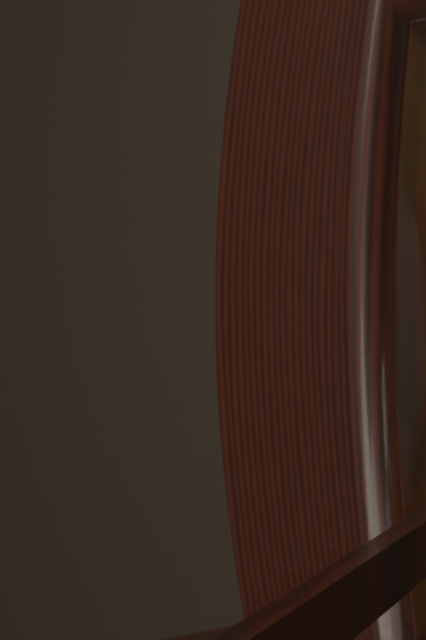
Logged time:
11h08
